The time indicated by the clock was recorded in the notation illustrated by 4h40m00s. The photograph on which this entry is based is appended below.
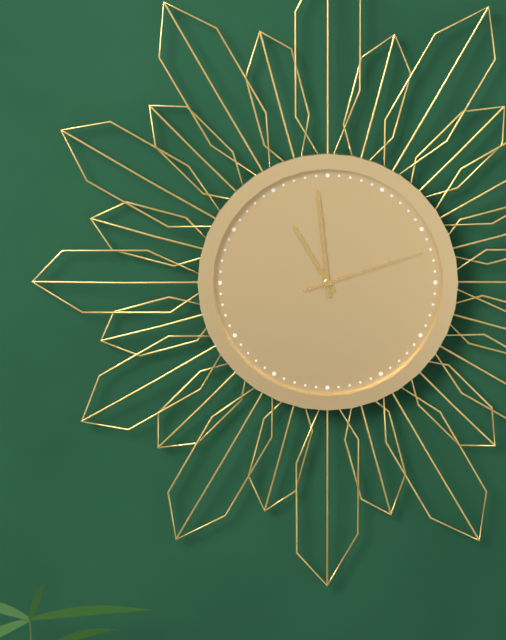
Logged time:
10h59m12s
